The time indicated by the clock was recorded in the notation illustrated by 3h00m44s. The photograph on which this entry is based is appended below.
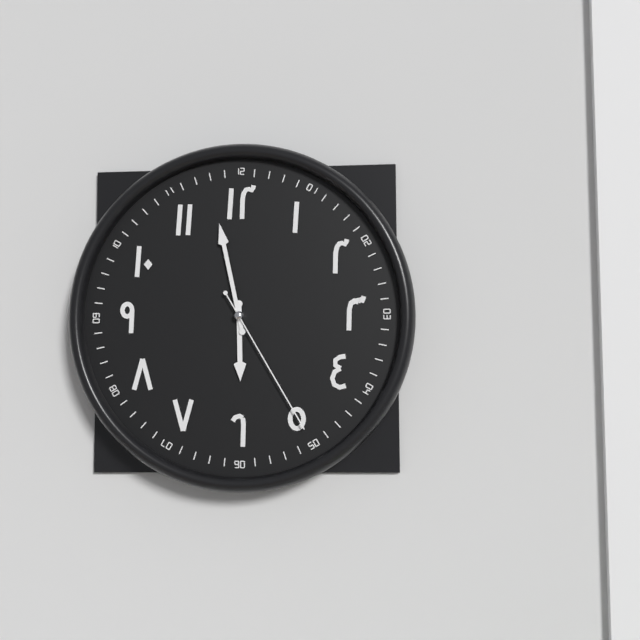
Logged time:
5h58m25s
